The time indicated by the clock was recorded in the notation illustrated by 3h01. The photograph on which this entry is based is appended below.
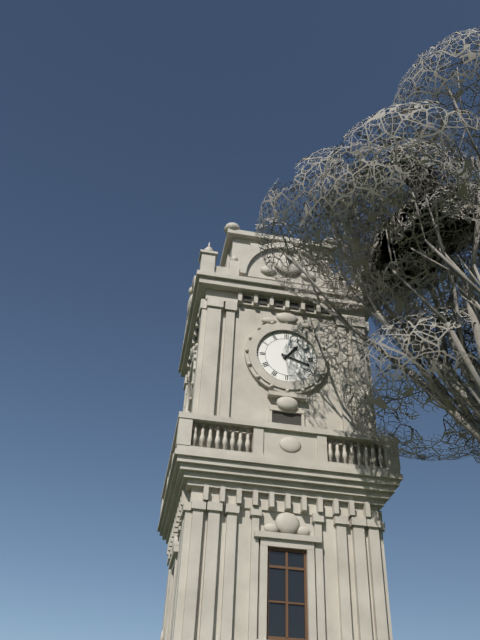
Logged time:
1h18
